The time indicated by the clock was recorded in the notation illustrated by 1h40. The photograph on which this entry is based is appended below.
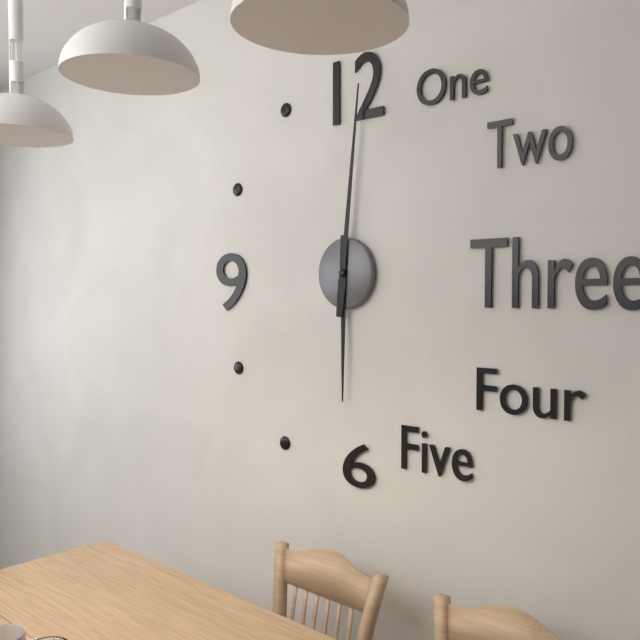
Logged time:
6h01
